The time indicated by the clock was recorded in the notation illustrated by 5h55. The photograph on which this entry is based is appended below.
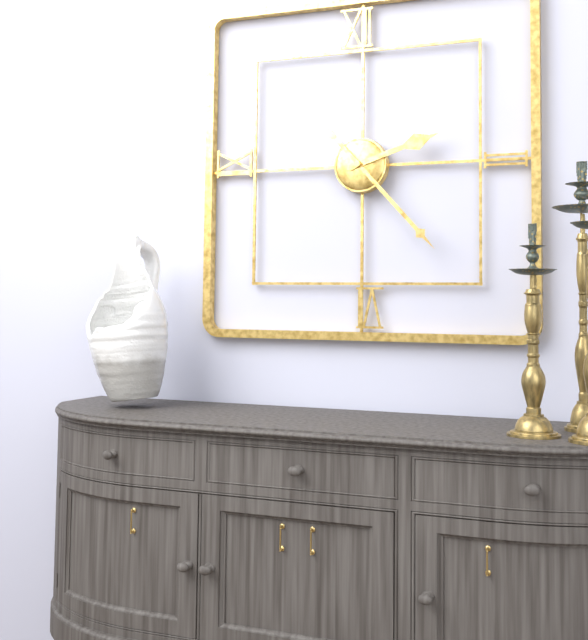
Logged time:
2h23
